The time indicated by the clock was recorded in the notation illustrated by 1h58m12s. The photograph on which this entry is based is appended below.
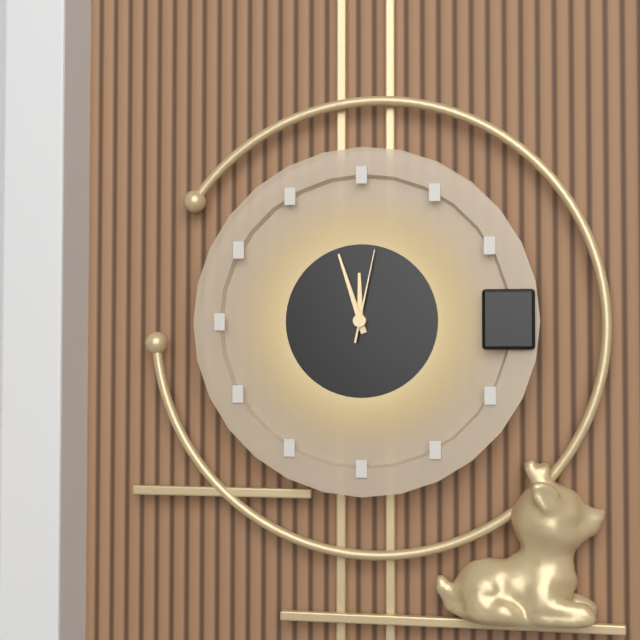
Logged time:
11h57m02s
